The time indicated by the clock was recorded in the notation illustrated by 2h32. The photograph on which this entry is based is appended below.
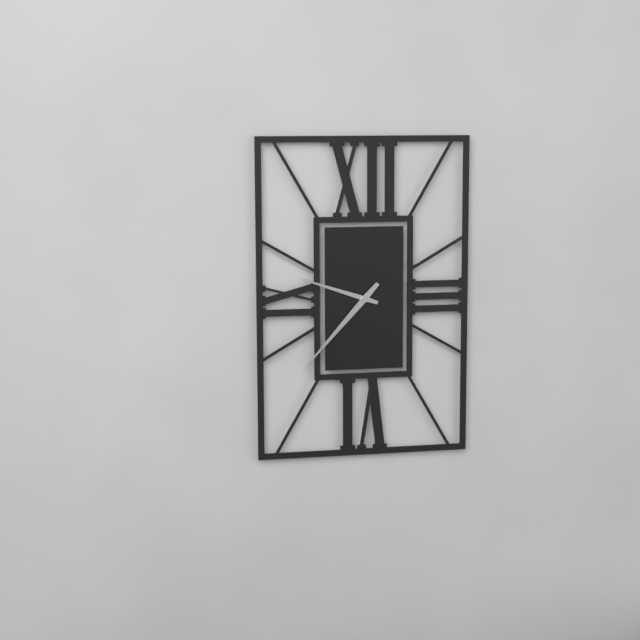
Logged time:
9h37
